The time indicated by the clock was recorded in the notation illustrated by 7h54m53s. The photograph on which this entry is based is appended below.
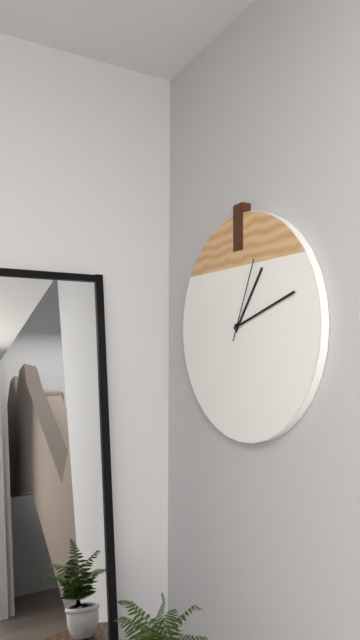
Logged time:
1h12m04s
